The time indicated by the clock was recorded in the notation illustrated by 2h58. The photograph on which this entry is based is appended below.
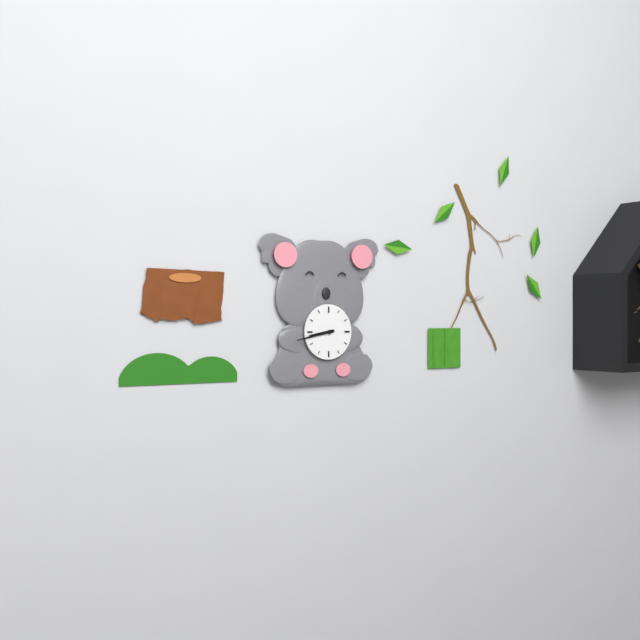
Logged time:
8h43
